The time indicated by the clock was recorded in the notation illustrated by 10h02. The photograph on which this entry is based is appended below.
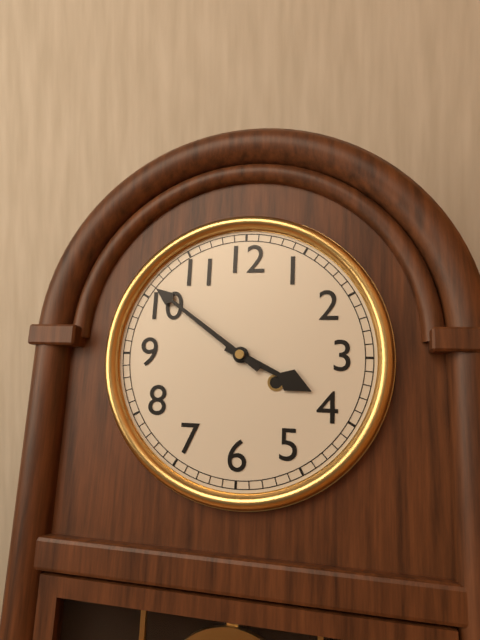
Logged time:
3h51
